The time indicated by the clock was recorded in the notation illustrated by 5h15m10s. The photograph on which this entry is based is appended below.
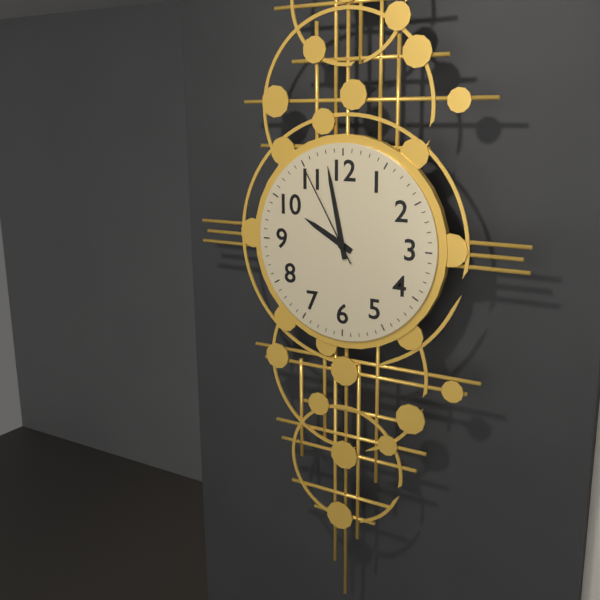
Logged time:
9h58m55s
